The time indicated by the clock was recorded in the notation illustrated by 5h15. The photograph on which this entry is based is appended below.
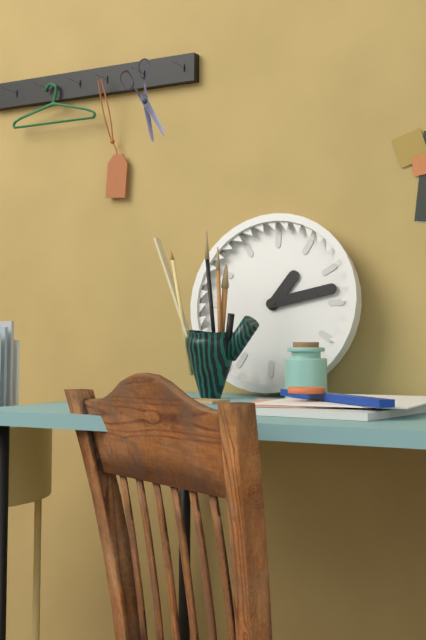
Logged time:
1h13
